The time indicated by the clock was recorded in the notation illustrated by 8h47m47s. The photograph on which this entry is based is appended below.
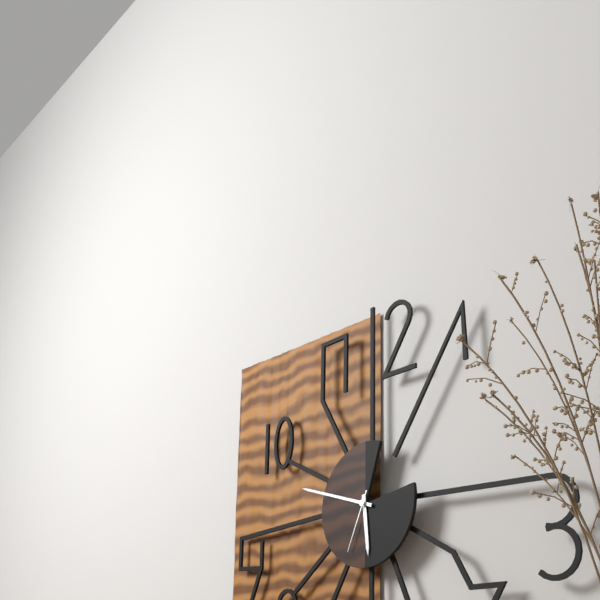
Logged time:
5h48m34s
